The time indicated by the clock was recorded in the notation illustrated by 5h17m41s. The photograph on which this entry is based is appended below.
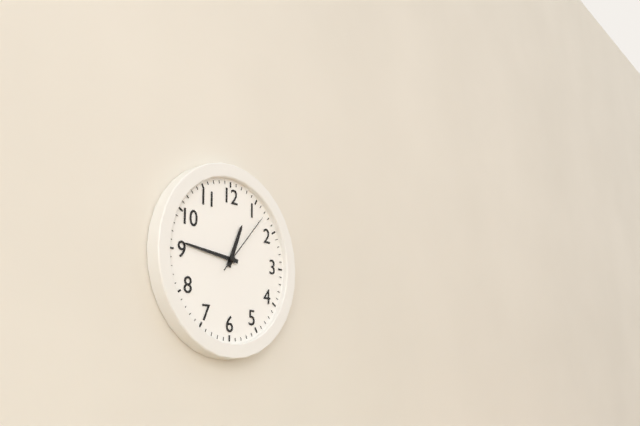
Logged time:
12h46m07s
